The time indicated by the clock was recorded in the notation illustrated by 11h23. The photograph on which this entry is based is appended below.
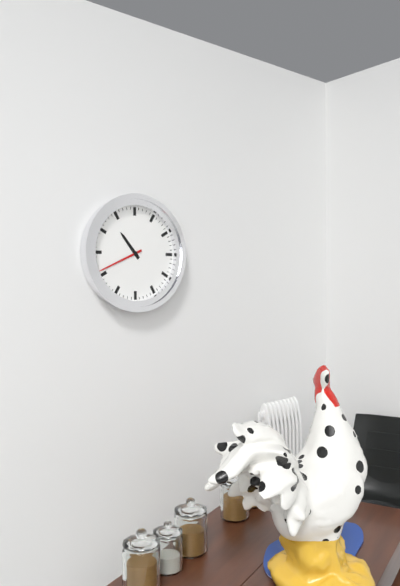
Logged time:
10h41
